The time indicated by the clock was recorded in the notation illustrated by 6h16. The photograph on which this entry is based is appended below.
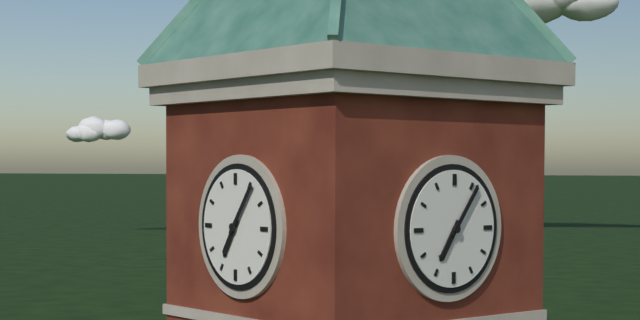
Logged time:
7h06
